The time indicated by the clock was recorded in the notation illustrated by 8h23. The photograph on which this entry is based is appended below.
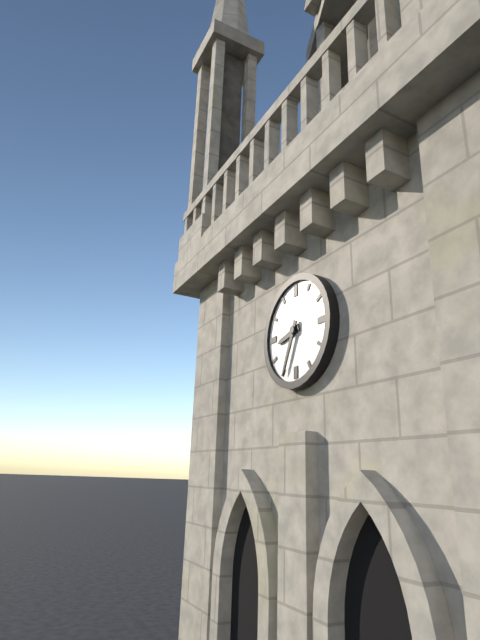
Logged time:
8h34
